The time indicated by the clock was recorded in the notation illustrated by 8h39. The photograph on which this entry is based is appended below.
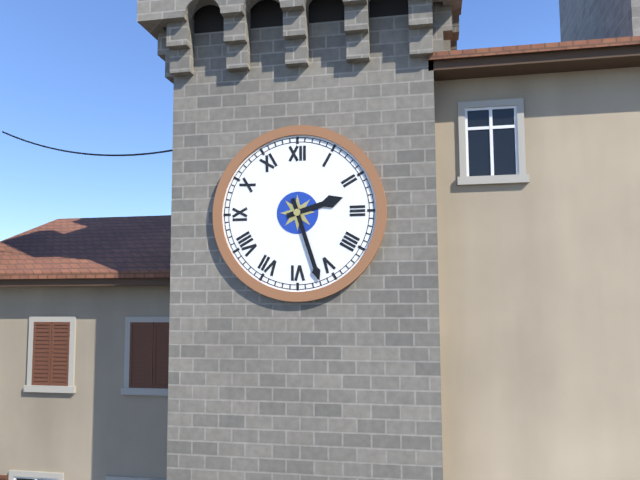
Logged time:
2h27
